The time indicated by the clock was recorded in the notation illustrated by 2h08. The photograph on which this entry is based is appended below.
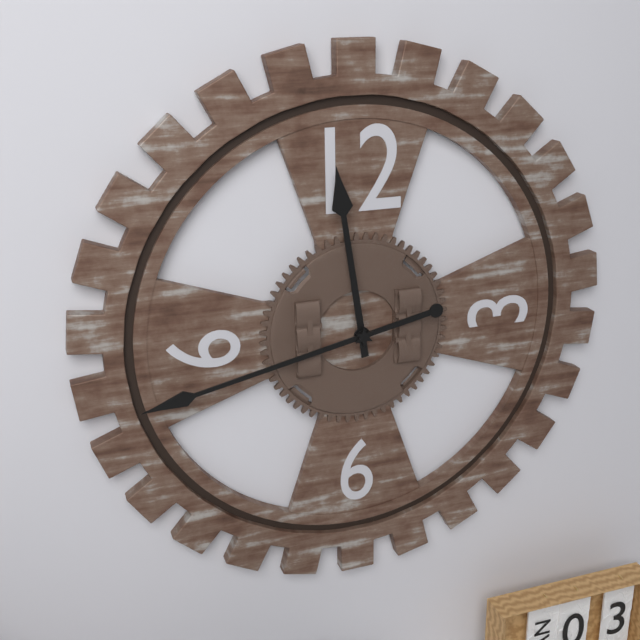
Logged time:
11h43
